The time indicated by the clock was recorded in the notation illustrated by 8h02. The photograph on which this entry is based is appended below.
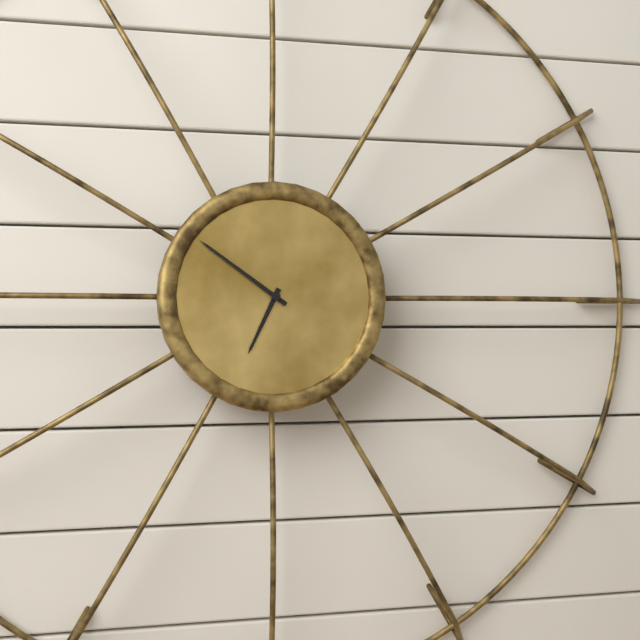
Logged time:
6h51
